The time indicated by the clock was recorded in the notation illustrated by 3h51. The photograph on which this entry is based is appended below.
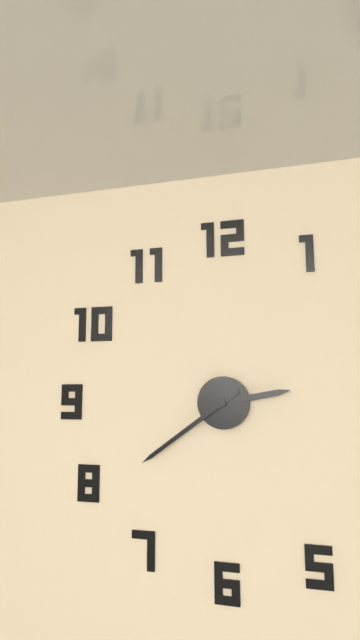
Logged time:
2h39
